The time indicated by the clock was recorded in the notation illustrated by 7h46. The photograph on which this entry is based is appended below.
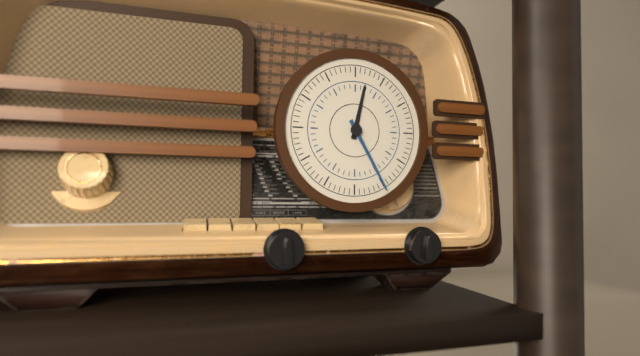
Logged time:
12h25
